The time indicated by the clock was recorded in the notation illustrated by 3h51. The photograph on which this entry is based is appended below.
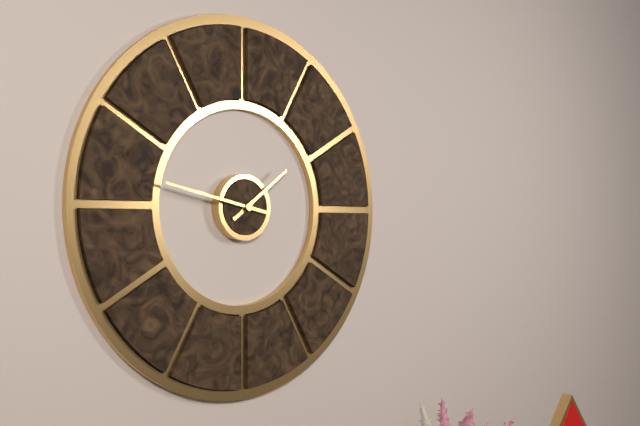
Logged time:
1h47
